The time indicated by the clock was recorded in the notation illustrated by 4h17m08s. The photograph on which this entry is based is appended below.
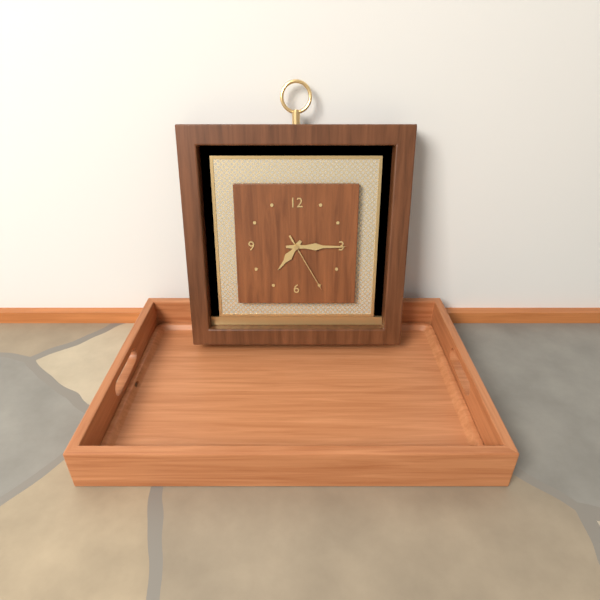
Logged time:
7h15m25s
